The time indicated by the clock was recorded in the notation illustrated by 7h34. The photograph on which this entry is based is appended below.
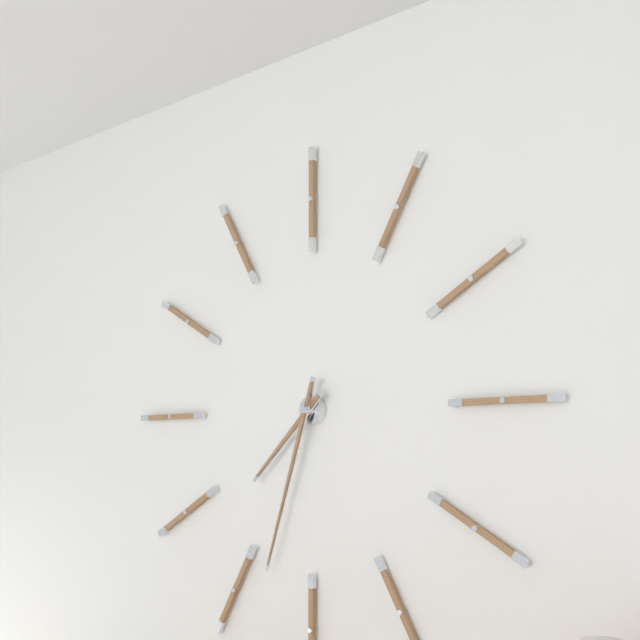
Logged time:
7h33
